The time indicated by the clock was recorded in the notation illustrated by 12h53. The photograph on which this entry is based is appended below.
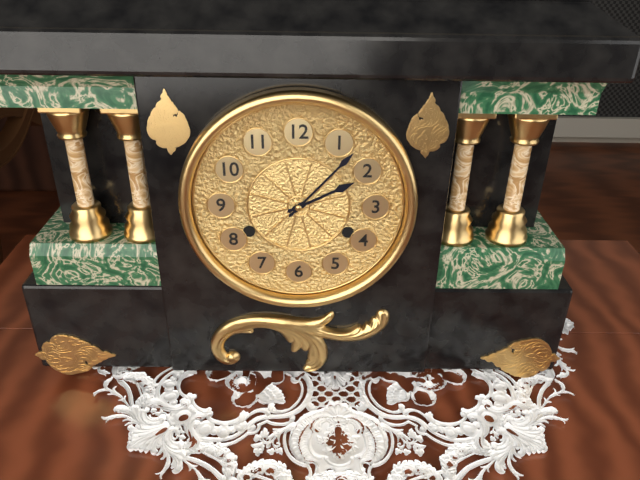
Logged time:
2h07
